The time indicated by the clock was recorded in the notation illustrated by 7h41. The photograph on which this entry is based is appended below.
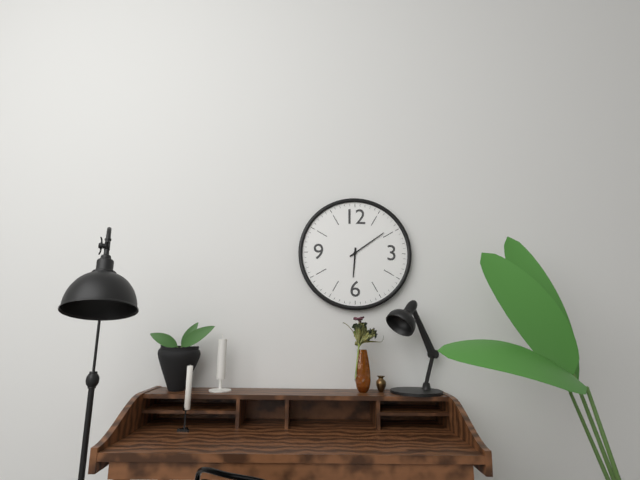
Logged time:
6h09
